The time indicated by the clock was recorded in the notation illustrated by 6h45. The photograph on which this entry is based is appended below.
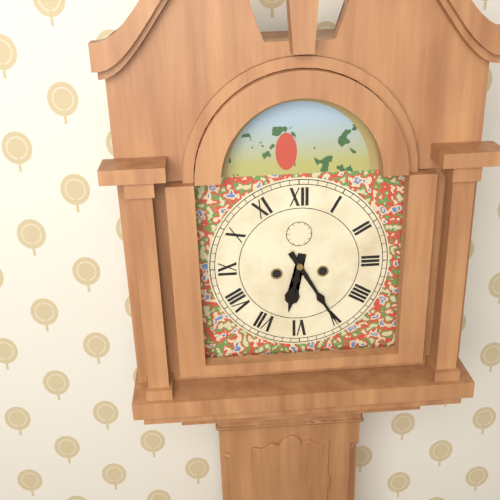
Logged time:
6h25
